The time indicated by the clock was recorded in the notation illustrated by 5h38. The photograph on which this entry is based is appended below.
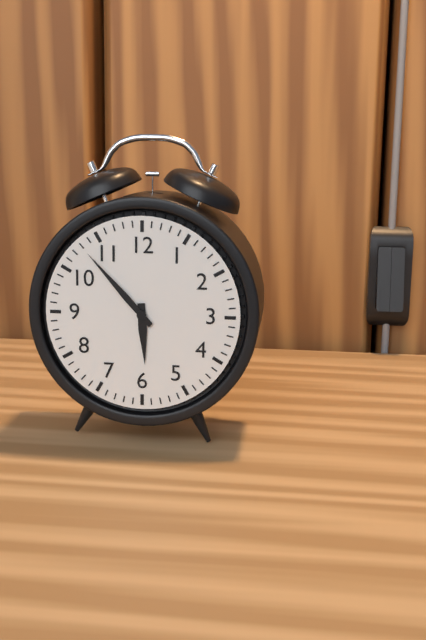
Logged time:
5h53
